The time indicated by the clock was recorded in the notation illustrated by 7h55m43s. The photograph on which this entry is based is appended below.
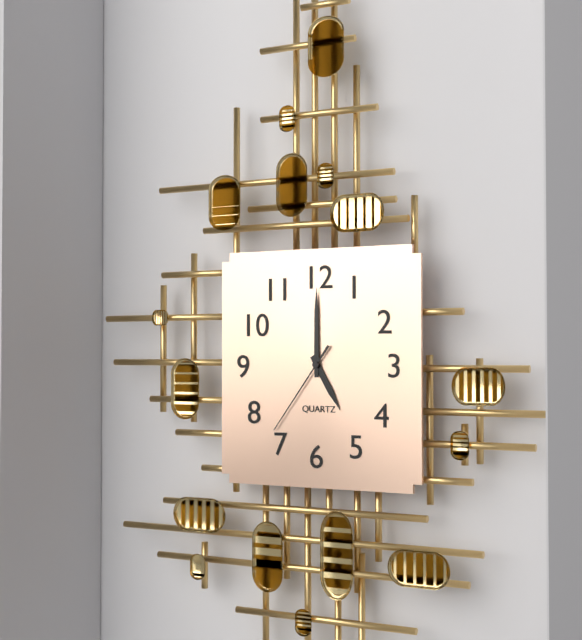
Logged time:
5h00m36s
